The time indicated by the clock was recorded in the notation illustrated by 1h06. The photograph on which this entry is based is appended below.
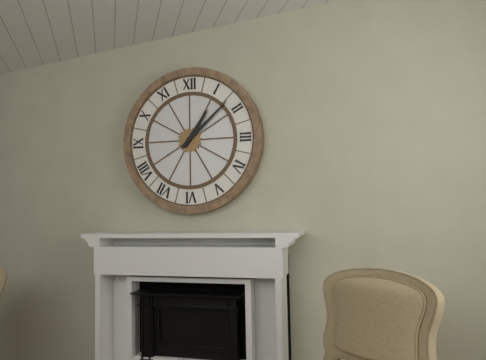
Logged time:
1h08
